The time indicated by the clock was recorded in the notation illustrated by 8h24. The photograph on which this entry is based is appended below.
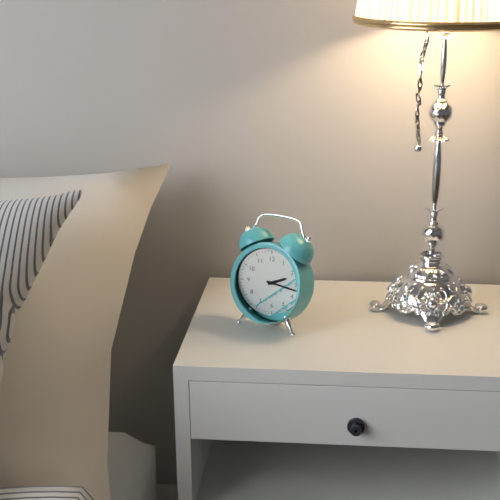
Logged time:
2h17
